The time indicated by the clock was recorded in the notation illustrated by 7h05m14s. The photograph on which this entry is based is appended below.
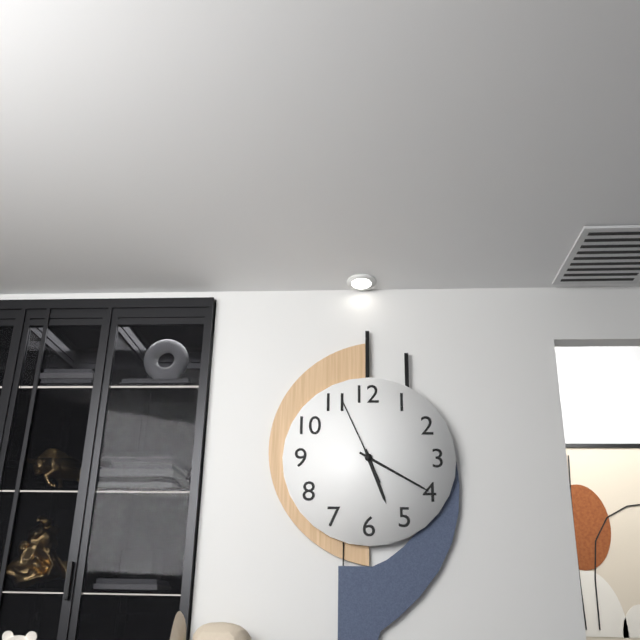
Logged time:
5h20m56s
